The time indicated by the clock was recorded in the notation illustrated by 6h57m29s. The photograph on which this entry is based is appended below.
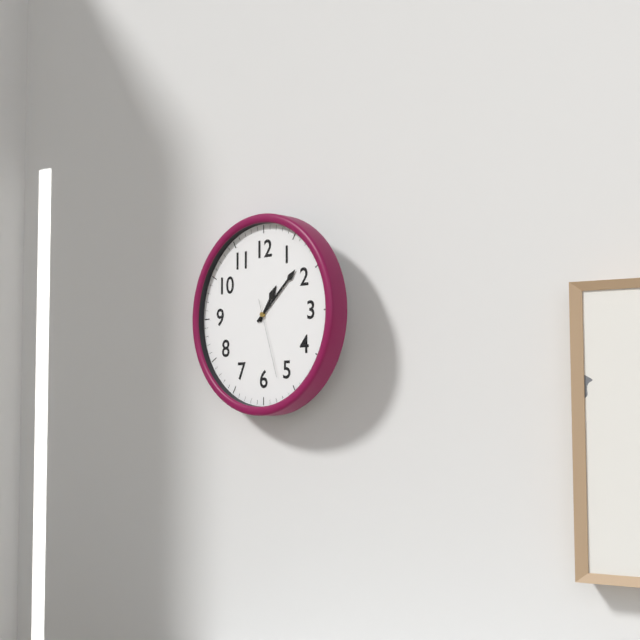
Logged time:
1h08m27s
